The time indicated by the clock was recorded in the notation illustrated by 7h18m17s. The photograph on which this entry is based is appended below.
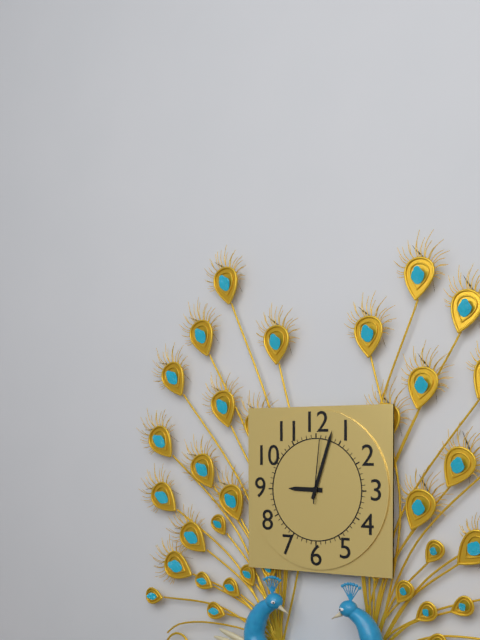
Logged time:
9h03m01s
